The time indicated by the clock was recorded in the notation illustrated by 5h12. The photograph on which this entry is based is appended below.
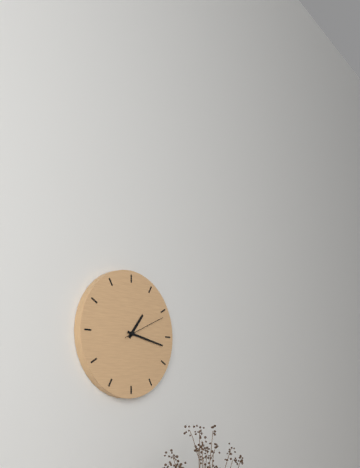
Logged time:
1h17
